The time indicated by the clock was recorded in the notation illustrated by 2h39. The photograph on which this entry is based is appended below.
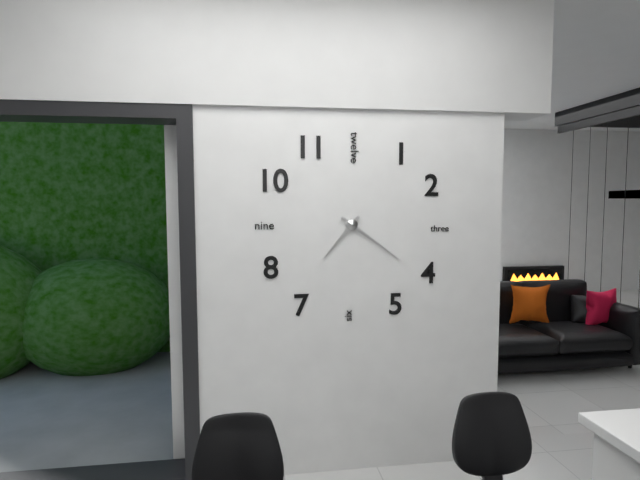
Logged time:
7h21
